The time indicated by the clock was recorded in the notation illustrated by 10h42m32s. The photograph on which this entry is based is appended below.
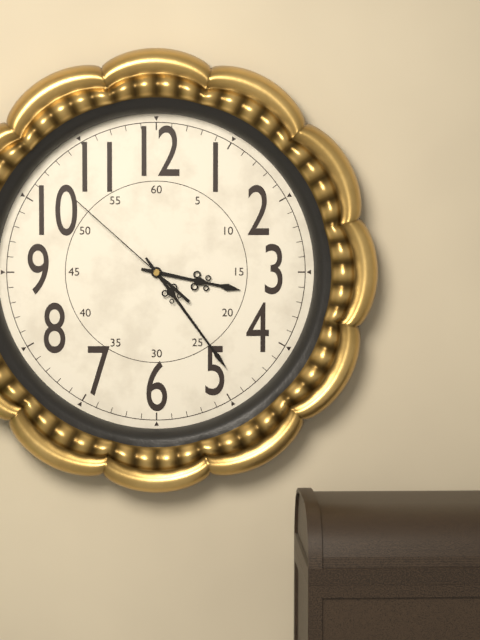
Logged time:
3h24m52s
